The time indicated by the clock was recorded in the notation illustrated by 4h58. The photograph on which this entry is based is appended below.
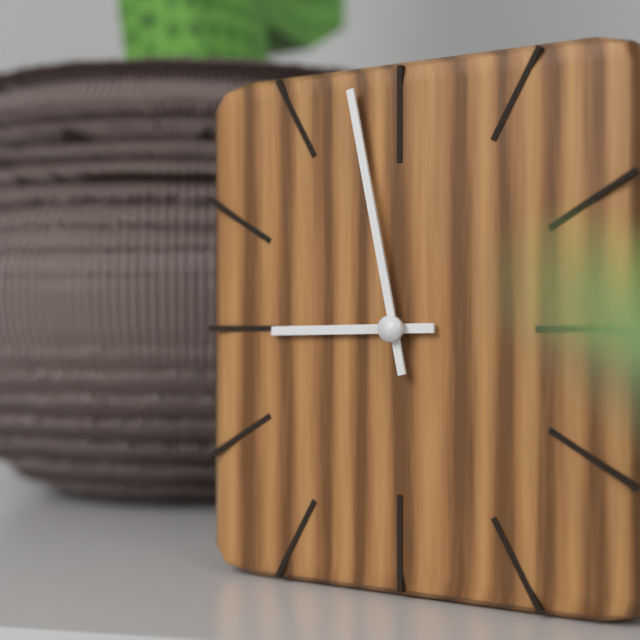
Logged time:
8h58
